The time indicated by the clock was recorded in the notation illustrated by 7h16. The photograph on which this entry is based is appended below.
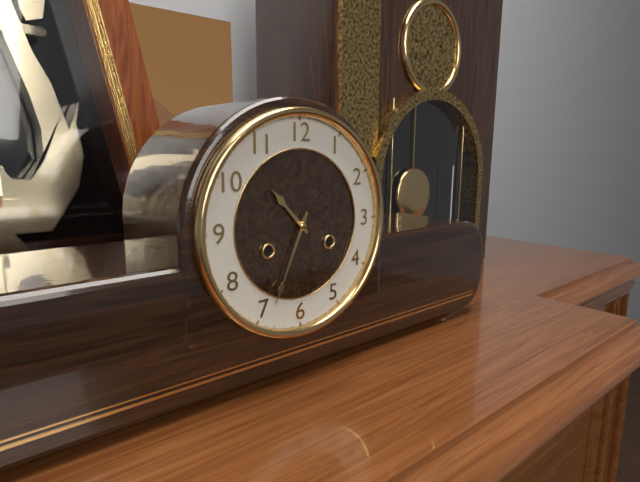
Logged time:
10h34
